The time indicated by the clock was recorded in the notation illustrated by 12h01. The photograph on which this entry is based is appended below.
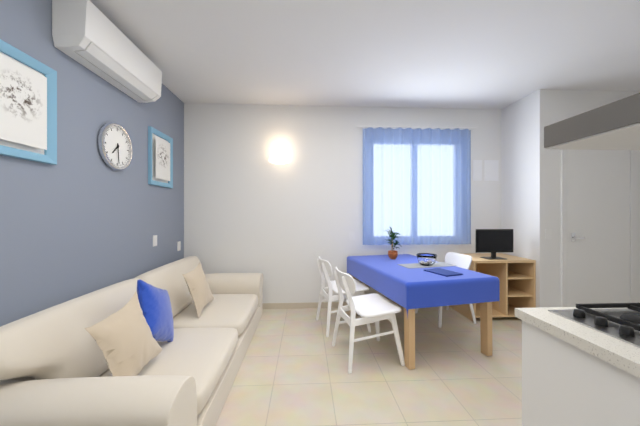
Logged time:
7h29
